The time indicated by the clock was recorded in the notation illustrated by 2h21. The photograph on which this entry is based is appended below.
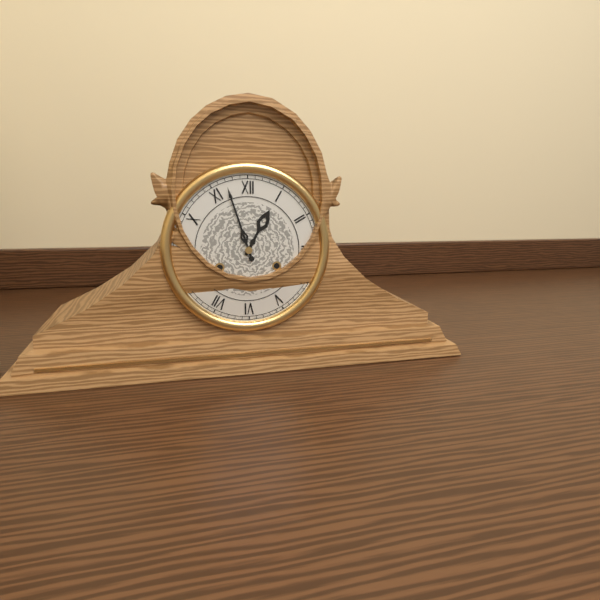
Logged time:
12h57
